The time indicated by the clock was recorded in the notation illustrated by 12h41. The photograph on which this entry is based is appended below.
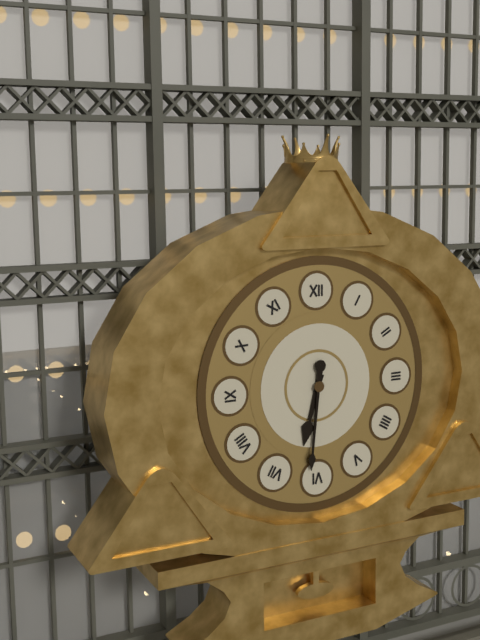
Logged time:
6h31
